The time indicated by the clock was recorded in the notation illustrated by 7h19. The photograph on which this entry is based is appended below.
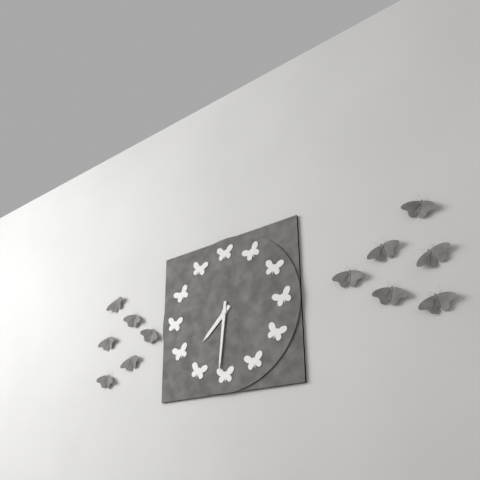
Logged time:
7h31
